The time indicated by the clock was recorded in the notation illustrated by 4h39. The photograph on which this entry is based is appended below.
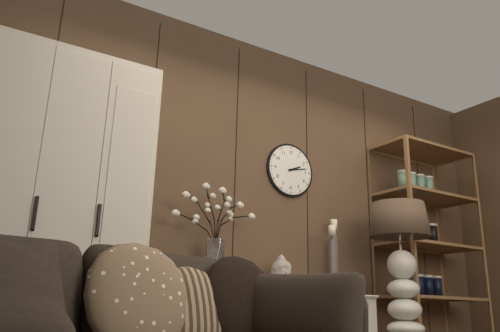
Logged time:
2h13
